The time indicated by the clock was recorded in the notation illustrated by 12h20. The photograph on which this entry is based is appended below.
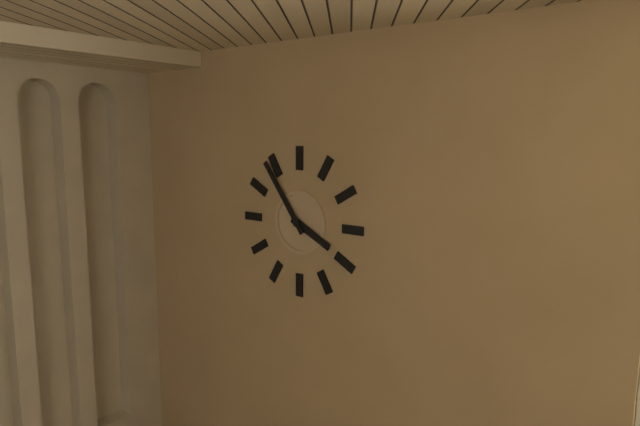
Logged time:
3h54
